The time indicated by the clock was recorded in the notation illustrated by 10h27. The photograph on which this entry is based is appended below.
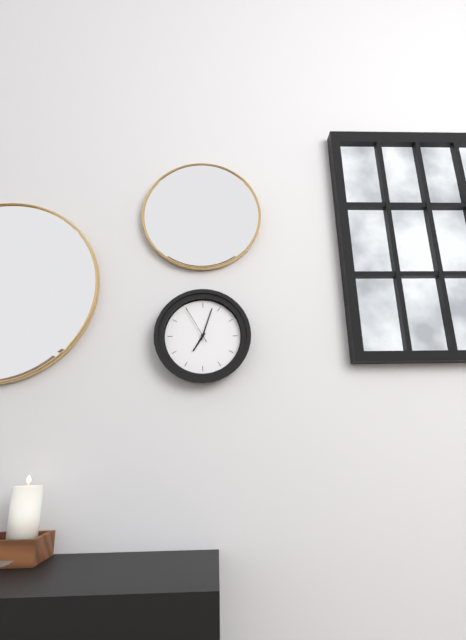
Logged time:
7h03
